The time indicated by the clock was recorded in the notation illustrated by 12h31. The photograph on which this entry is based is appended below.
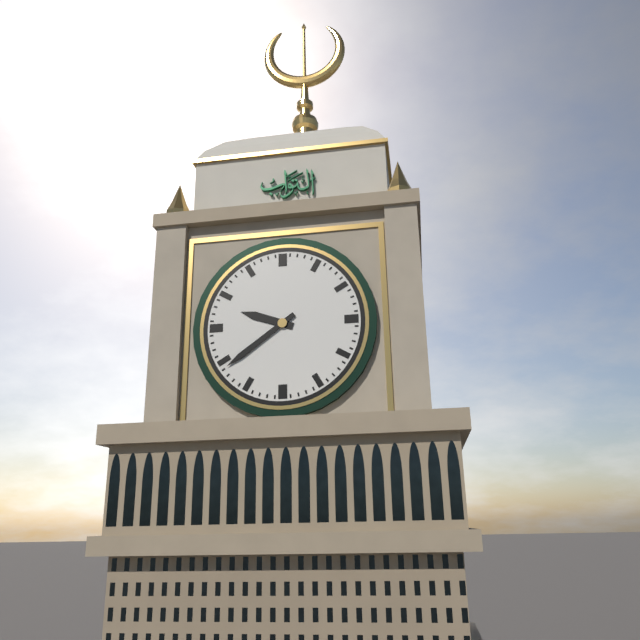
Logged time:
9h39
